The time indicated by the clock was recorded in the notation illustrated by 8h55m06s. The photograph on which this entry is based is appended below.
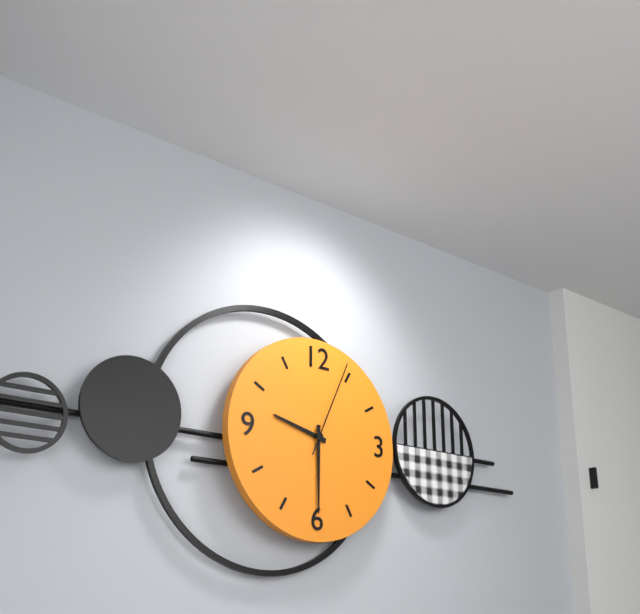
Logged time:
9h30m04s
